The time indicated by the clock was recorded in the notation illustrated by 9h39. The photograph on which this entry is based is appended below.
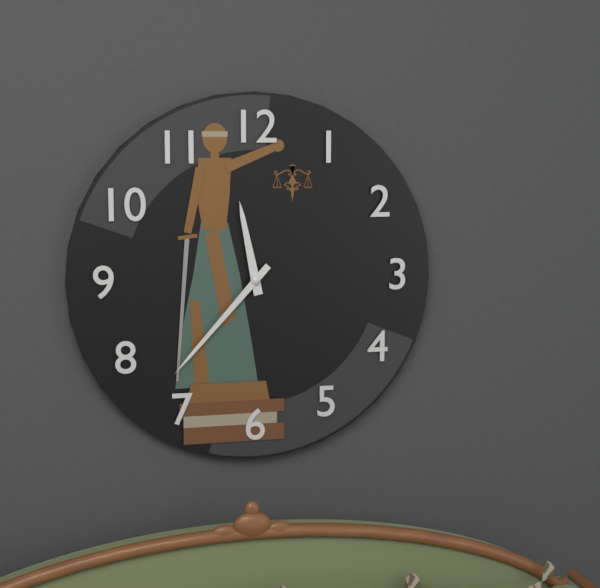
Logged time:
11h37
